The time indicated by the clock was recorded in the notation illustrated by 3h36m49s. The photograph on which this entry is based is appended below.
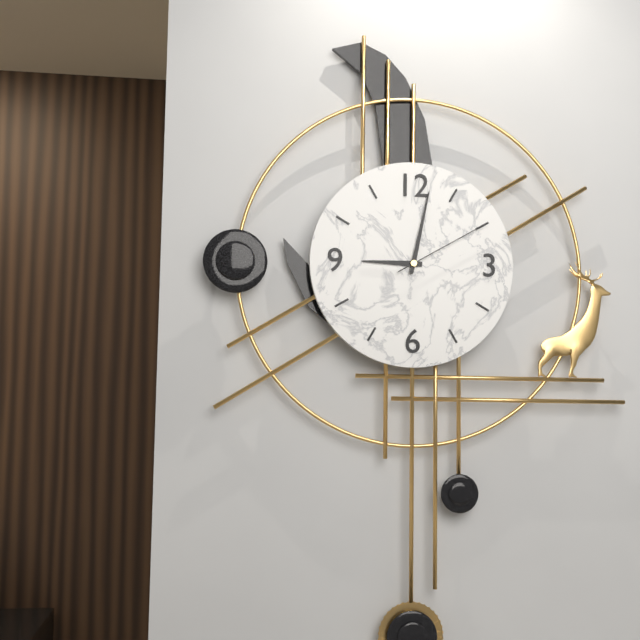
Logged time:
9h02m10s
